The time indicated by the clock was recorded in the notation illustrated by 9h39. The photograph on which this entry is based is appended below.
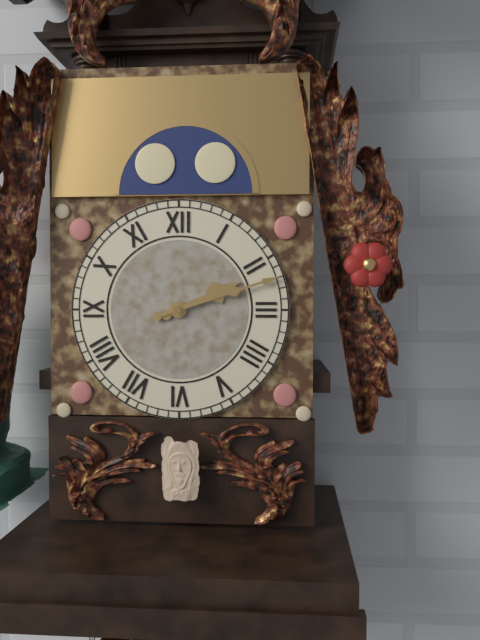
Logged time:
2h12
